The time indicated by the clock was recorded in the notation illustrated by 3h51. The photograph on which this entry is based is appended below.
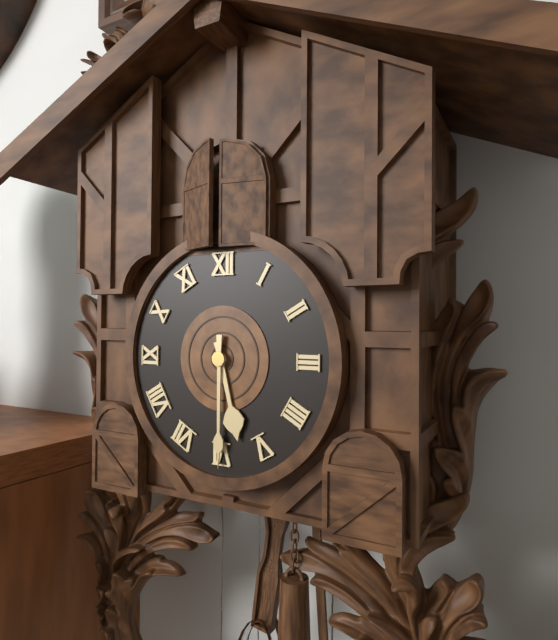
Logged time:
5h30
